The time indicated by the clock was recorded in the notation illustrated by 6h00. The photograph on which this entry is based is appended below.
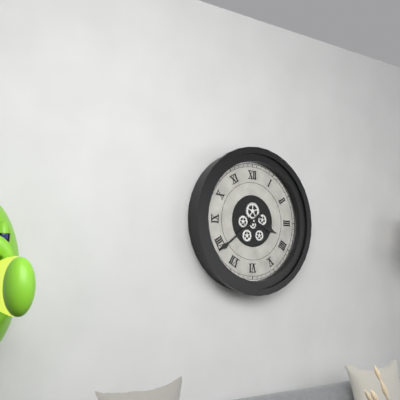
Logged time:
3h39
